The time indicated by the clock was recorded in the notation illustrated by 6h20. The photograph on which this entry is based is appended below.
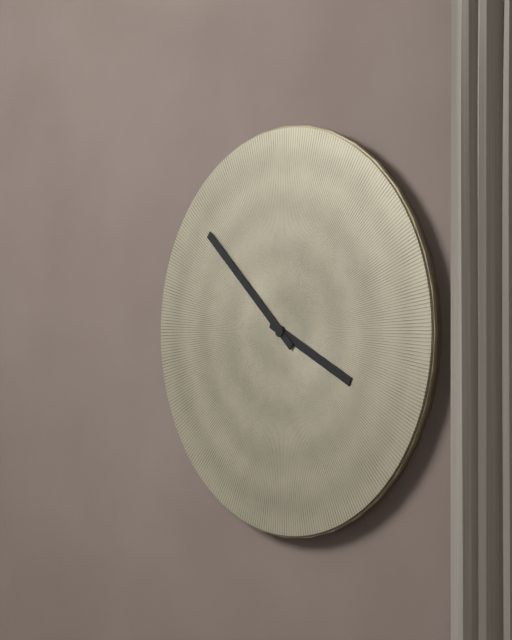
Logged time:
3h52
